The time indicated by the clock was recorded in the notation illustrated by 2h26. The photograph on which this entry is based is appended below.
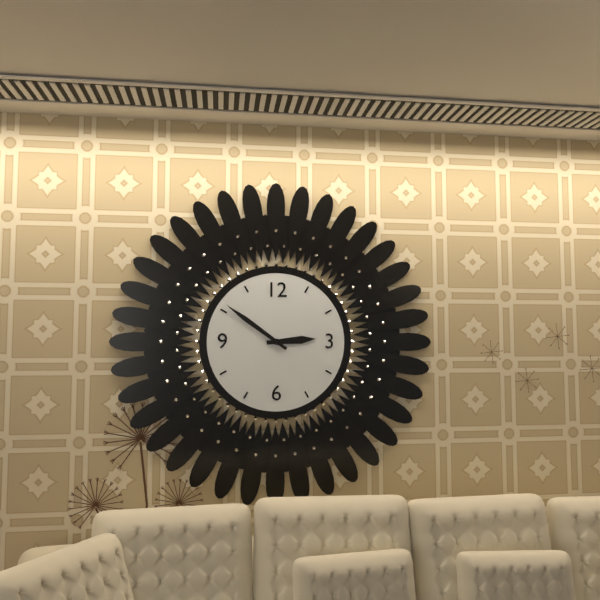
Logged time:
2h51
